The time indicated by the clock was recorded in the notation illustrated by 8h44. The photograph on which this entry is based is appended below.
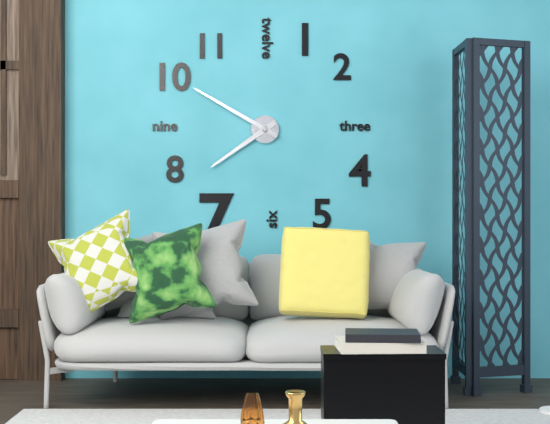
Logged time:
7h50
